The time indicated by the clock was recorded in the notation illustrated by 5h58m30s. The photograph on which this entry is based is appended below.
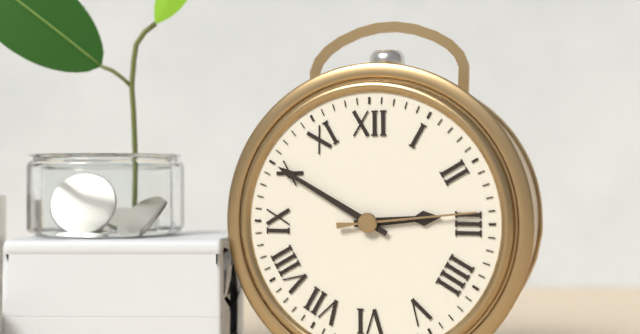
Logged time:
2h50m14s
